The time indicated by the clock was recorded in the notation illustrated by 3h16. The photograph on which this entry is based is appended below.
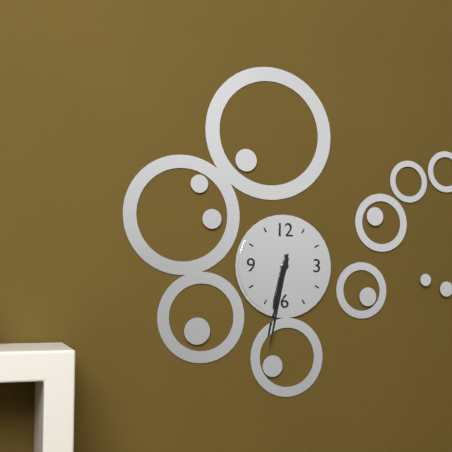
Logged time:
6h32
